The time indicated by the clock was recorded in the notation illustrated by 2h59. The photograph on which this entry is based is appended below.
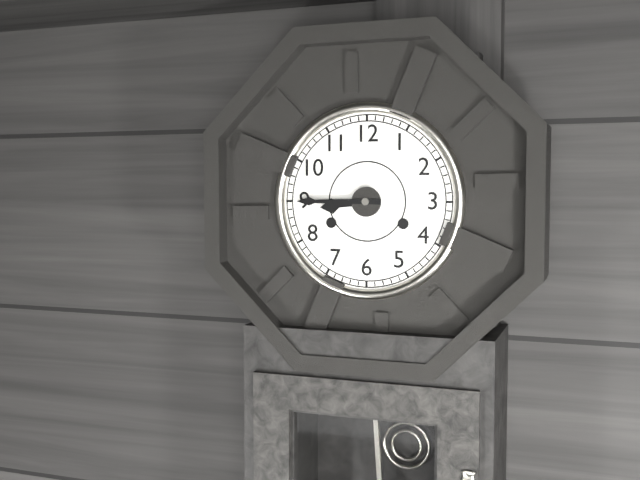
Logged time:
8h45
